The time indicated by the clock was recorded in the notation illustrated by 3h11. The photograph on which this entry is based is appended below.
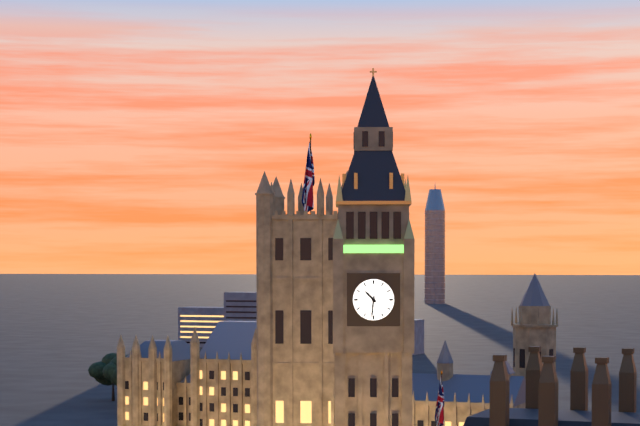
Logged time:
10h31
